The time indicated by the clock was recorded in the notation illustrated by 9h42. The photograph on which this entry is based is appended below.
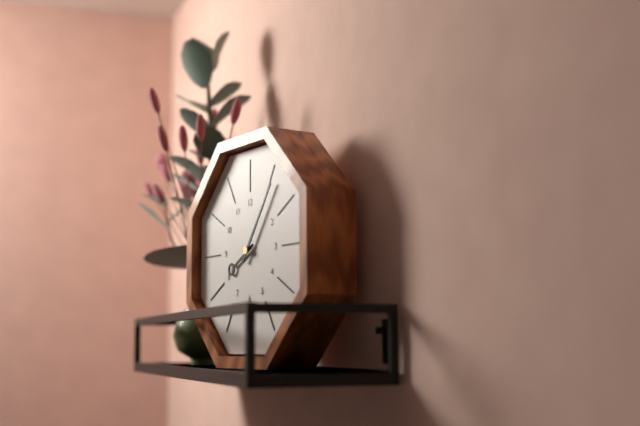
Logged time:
8h06
